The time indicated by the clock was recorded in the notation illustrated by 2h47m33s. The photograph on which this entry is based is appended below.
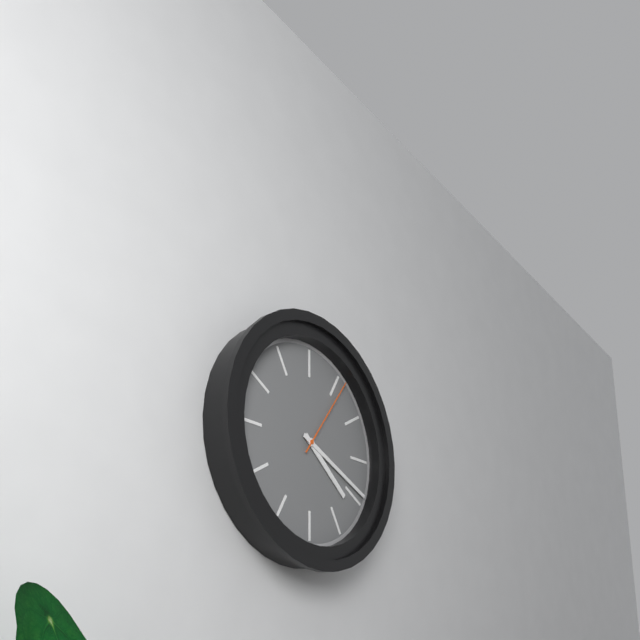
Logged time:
4h19m06s
